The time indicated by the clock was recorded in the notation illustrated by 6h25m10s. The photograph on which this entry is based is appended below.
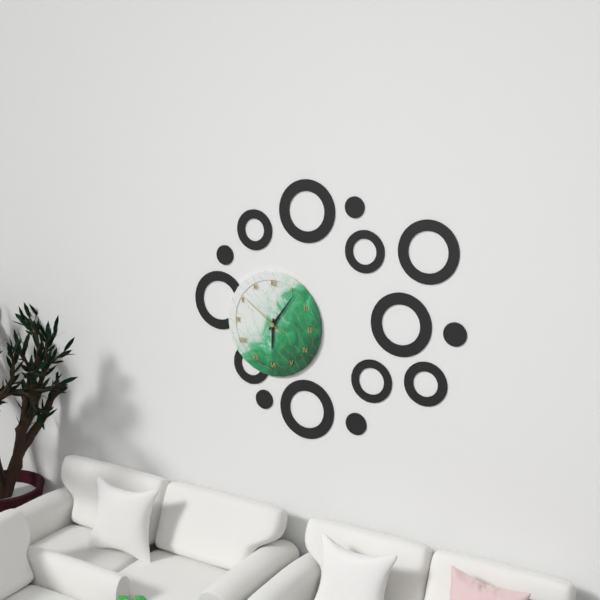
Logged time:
6h06m51s
